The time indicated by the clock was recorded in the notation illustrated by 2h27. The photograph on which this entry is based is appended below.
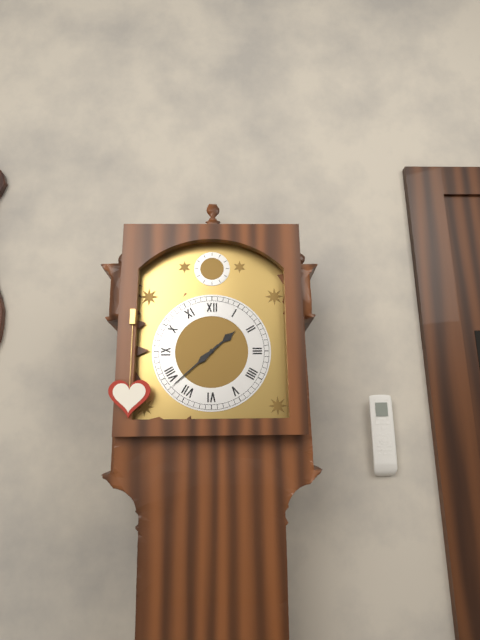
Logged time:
1h38
